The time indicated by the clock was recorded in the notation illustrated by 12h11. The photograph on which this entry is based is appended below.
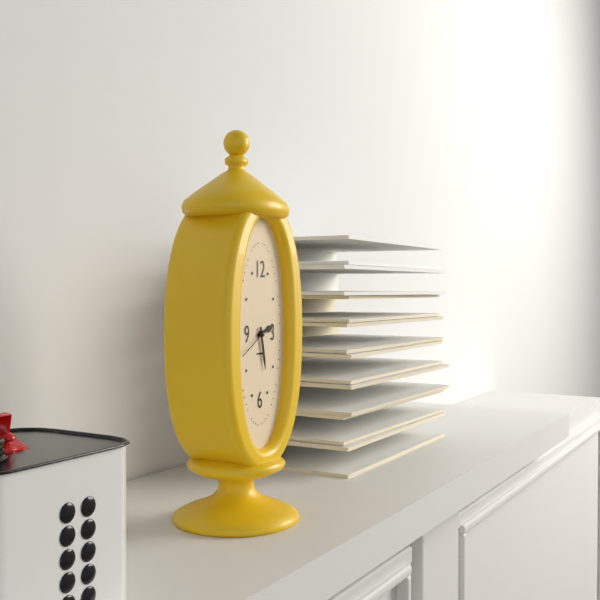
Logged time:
2h28
